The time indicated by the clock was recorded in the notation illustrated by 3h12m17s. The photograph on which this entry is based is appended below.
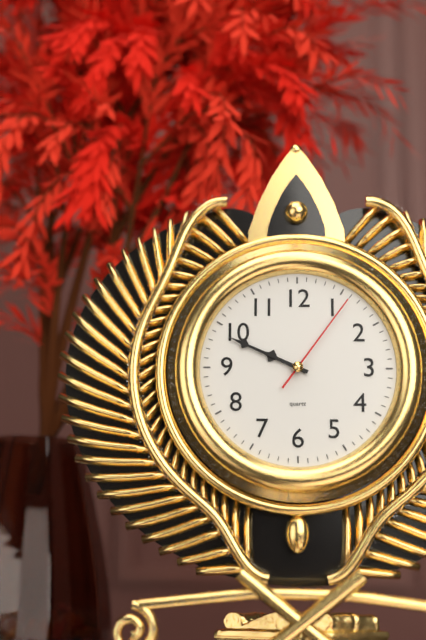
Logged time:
9h49m06s
